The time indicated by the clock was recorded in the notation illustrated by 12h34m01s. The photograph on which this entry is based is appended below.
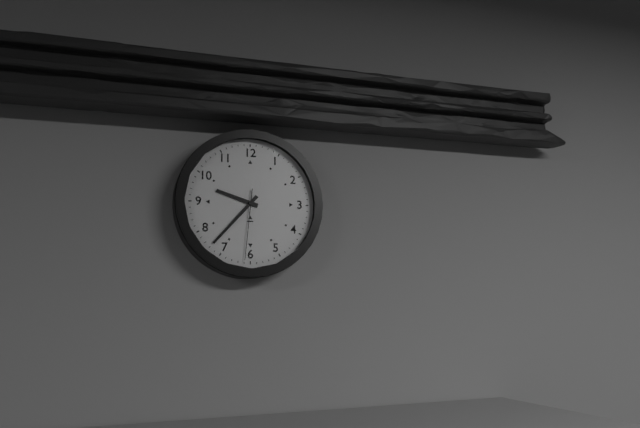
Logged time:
9h37m31s
